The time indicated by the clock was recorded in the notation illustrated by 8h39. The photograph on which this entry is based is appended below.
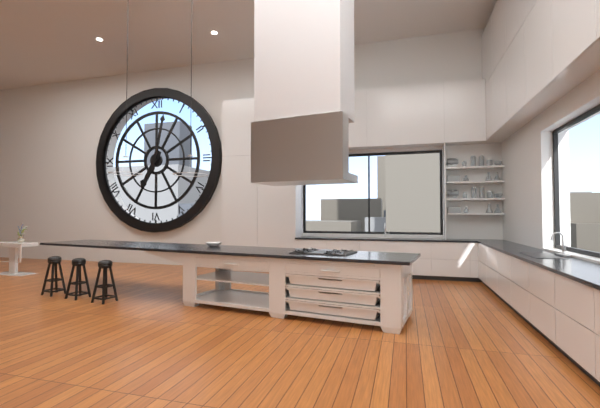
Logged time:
7h02
